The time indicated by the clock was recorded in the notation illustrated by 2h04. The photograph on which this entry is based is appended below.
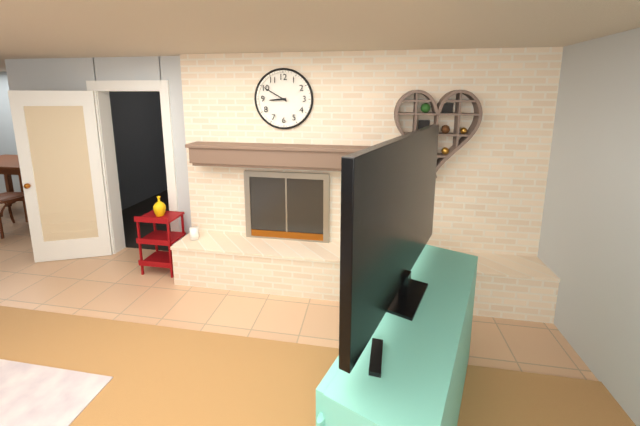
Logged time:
8h50
